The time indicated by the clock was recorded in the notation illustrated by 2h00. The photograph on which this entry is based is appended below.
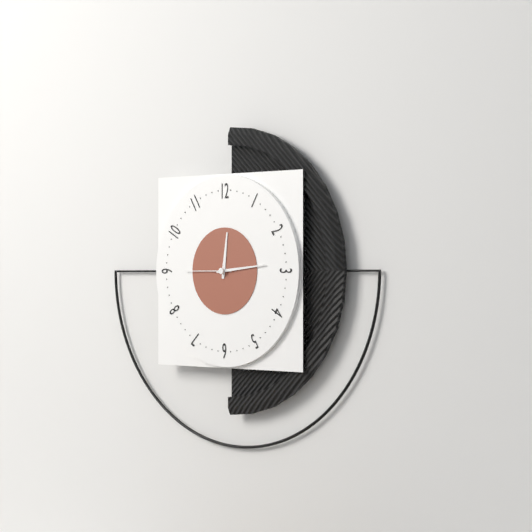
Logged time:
12h14
